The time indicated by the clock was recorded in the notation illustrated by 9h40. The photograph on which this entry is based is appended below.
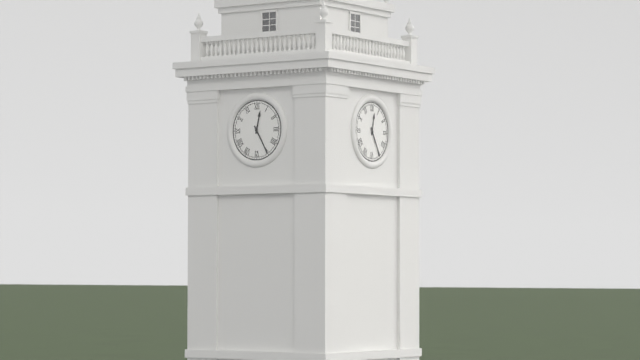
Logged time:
12h25
